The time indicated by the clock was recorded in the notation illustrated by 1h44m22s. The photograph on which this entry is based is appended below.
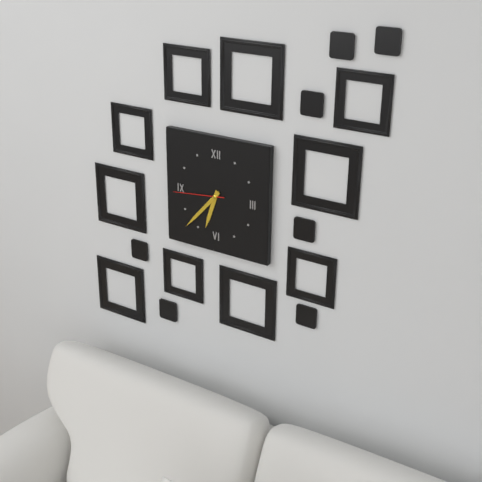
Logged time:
6h37m44s
